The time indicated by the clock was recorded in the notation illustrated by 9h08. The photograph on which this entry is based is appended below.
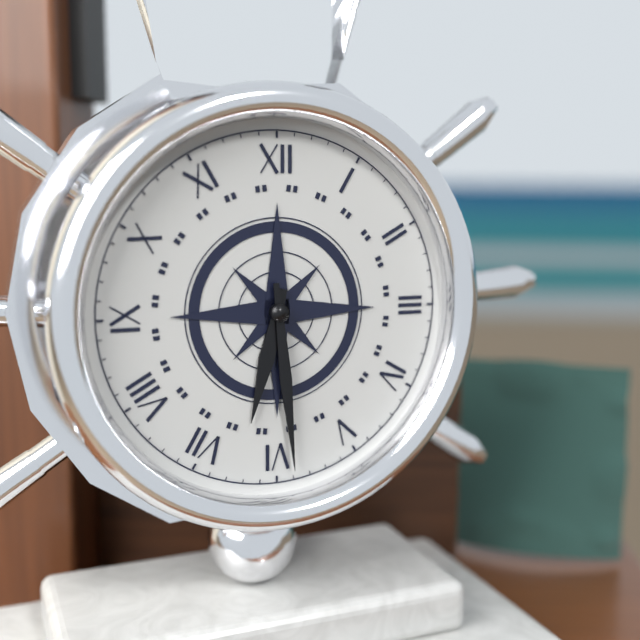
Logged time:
6h29
